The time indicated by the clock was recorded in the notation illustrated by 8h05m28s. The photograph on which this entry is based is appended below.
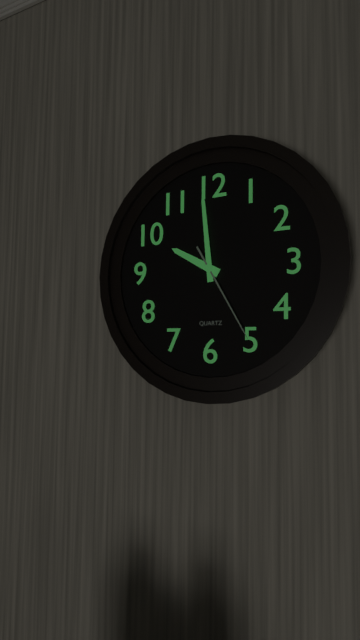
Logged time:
9h59m25s
